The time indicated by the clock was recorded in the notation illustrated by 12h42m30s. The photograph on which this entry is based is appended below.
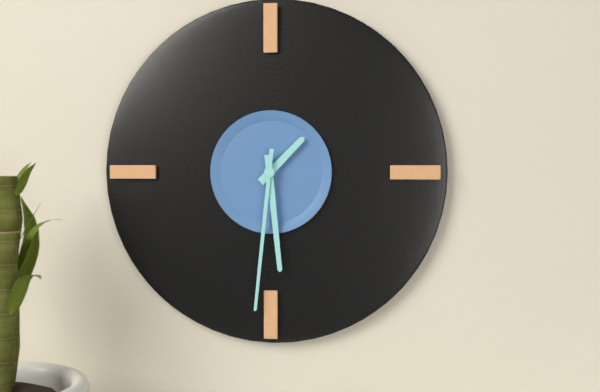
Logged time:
1h29m31s
